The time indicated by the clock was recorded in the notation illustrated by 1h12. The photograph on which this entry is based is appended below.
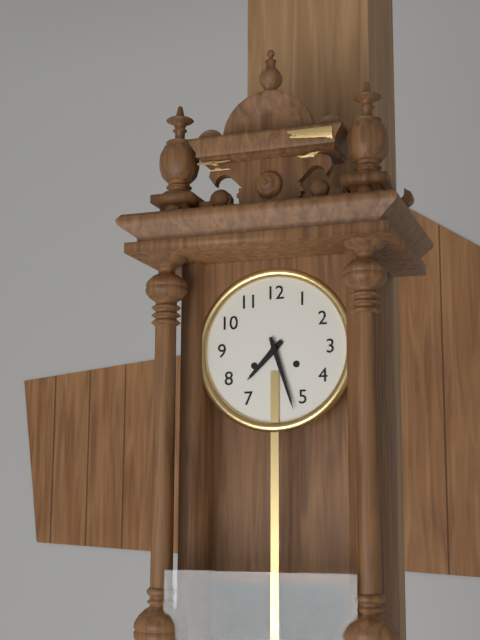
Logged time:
7h27
